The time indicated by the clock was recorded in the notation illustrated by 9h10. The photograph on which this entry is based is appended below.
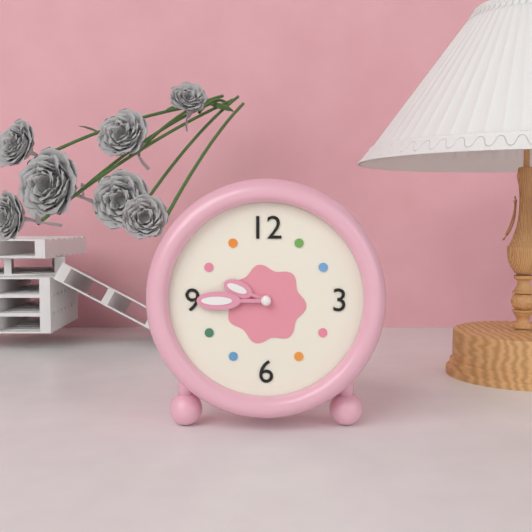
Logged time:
9h45
